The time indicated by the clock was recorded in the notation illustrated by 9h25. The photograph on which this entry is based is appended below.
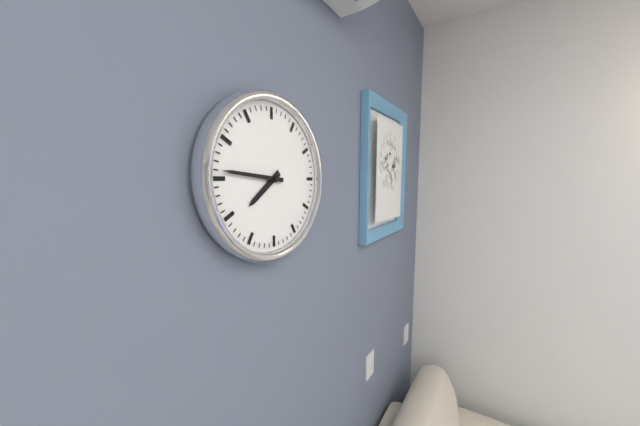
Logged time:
7h46
